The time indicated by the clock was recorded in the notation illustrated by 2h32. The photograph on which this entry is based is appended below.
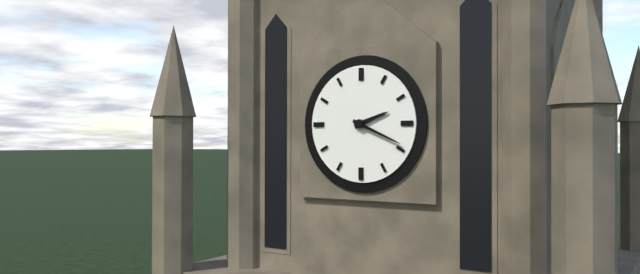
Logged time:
2h19
